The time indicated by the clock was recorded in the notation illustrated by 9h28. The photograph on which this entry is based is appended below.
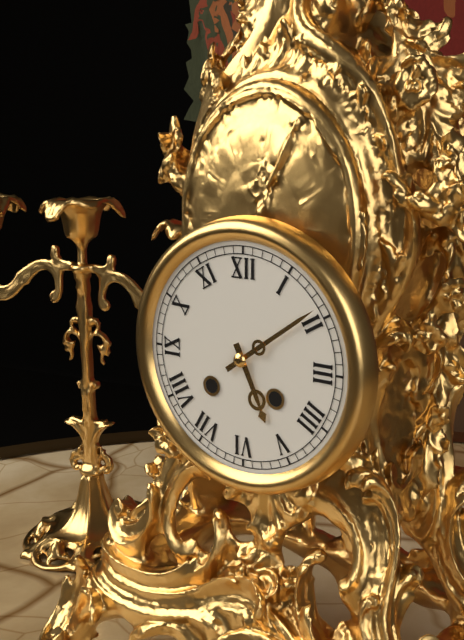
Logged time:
5h09
